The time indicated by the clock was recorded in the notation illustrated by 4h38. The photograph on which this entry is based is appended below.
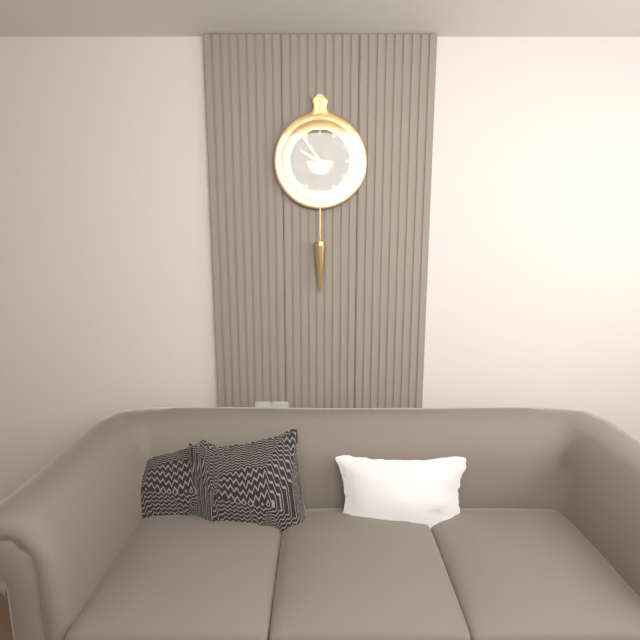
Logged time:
9h54
